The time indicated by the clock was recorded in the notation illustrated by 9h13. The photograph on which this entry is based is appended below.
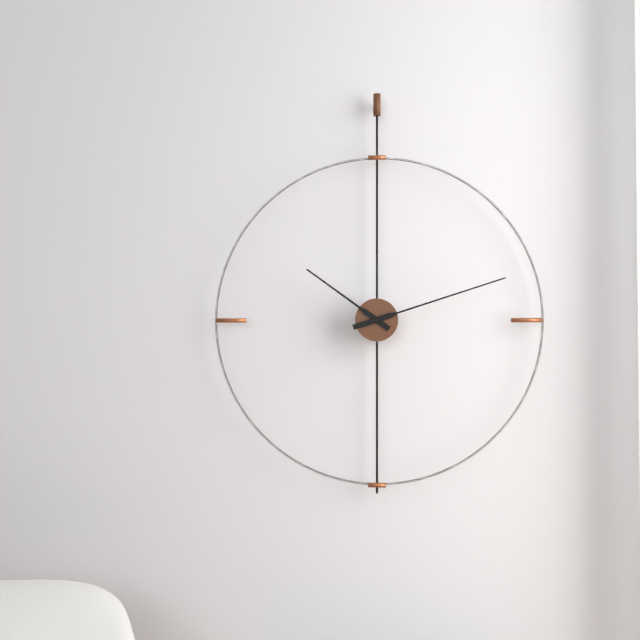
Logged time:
10h12
